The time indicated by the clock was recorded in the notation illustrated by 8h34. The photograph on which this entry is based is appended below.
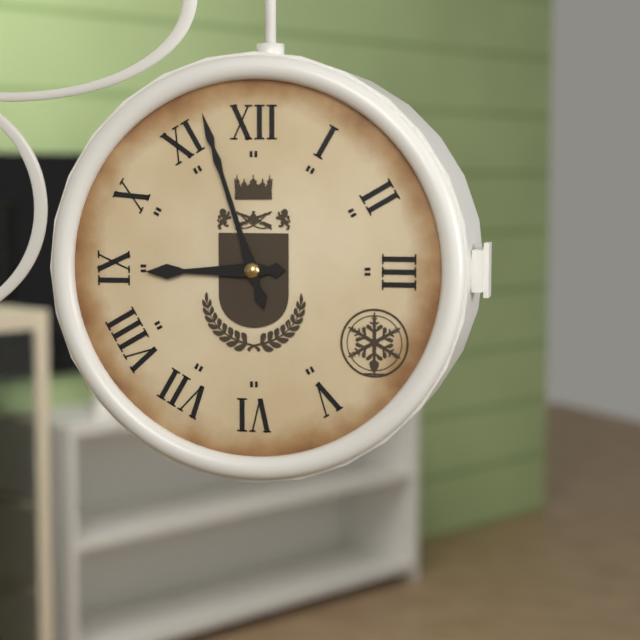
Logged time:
8h57
